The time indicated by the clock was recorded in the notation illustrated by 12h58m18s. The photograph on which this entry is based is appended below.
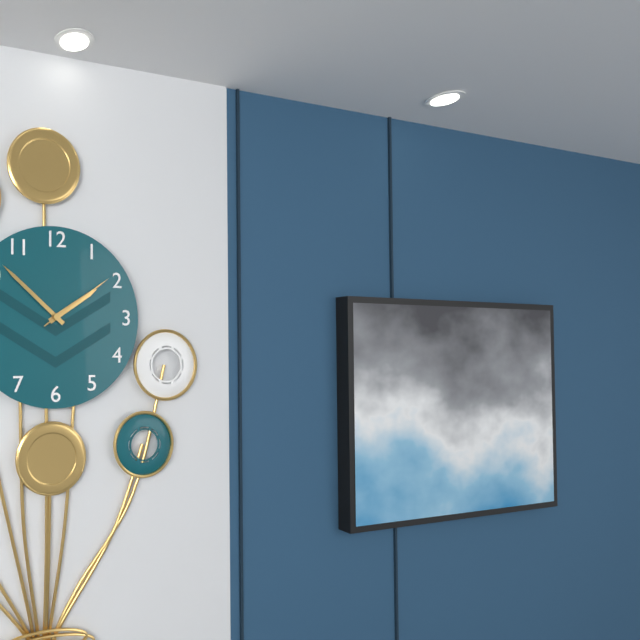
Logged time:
1h52m09s
